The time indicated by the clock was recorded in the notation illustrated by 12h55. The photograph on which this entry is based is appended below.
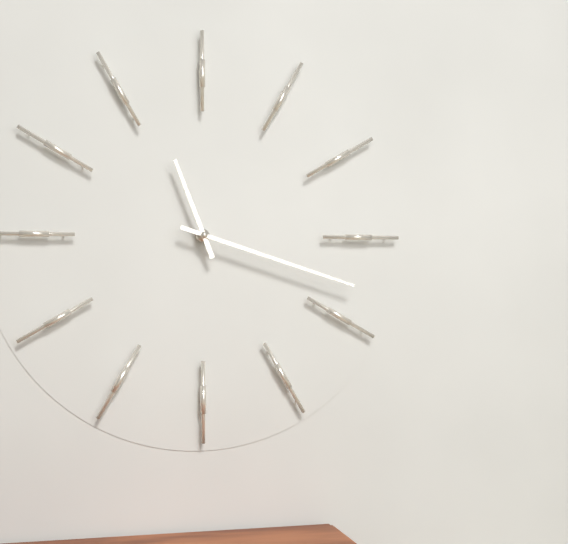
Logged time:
11h18
